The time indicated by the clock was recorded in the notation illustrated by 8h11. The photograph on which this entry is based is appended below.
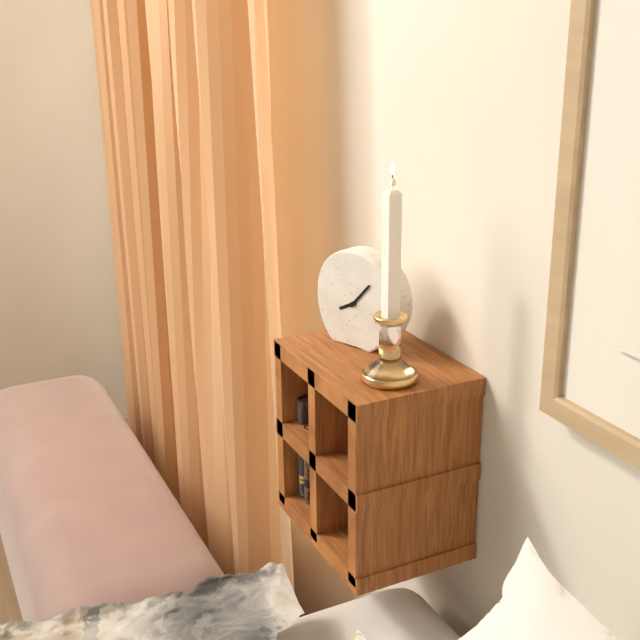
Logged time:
8h07
